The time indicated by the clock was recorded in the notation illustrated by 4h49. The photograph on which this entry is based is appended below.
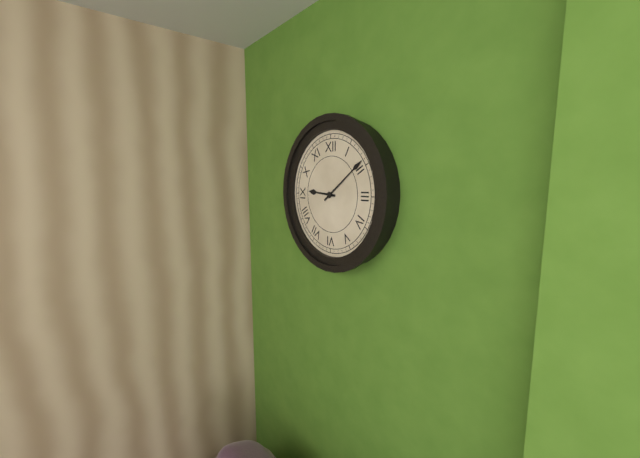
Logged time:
9h09
